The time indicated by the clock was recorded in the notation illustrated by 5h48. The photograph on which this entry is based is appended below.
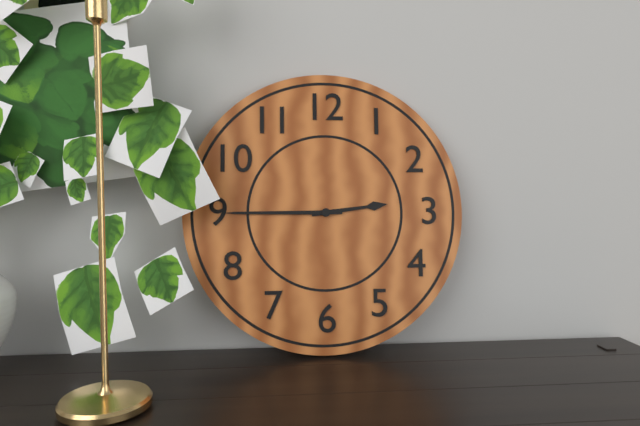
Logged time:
2h45
